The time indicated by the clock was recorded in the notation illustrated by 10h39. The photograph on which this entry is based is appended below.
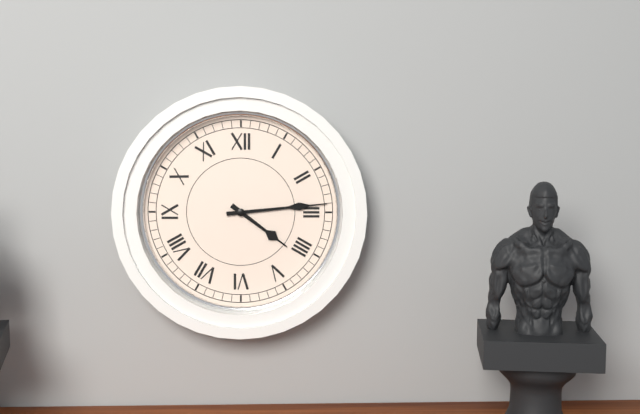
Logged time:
4h14
